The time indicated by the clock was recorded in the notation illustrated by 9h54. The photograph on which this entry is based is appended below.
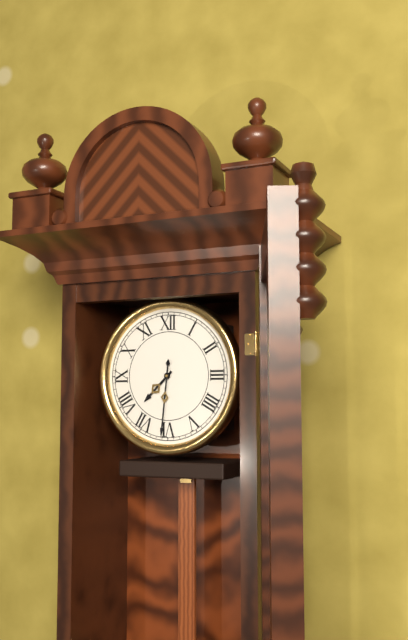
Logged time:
7h31
